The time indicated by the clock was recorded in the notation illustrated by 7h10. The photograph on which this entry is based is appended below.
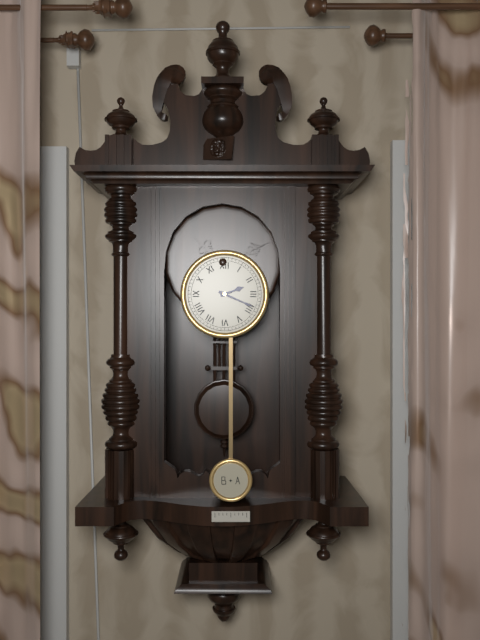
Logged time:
2h19
